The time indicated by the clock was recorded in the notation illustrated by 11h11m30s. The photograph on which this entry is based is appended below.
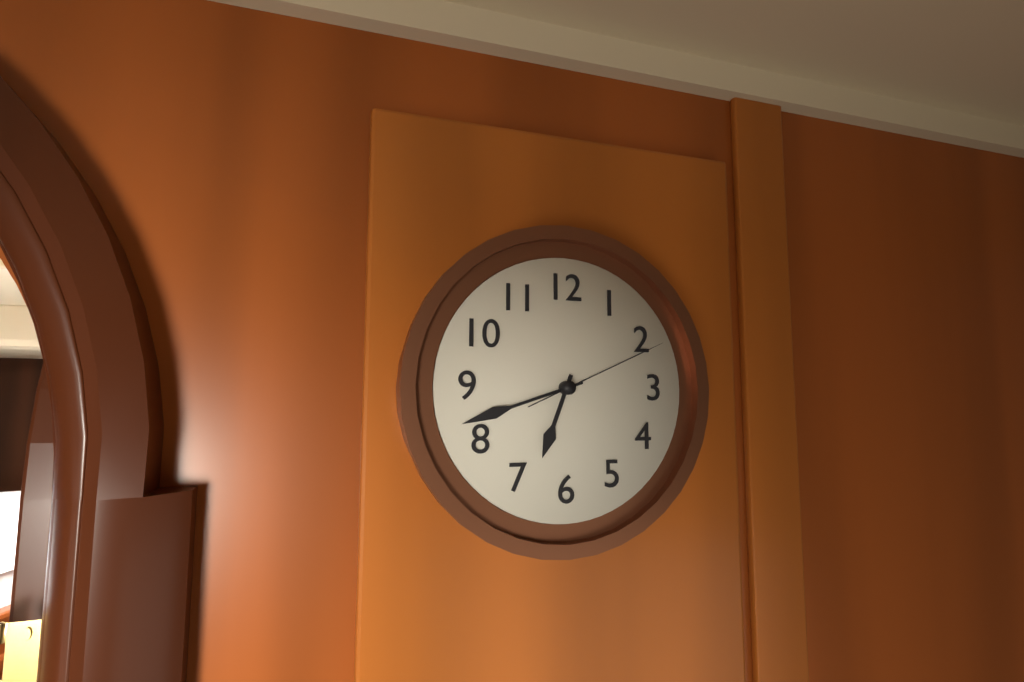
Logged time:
6h42m11s
